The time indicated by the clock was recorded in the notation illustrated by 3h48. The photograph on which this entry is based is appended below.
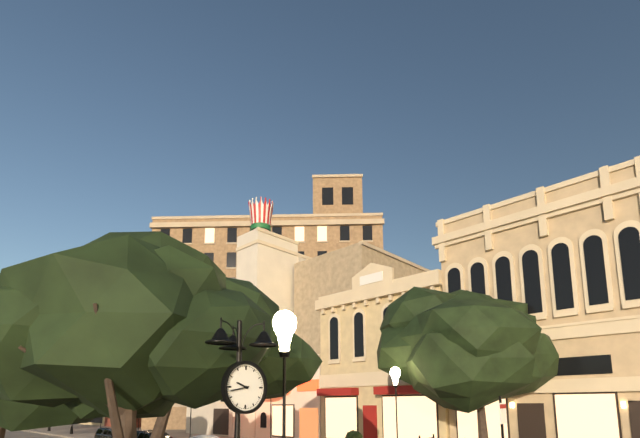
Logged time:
9h43
